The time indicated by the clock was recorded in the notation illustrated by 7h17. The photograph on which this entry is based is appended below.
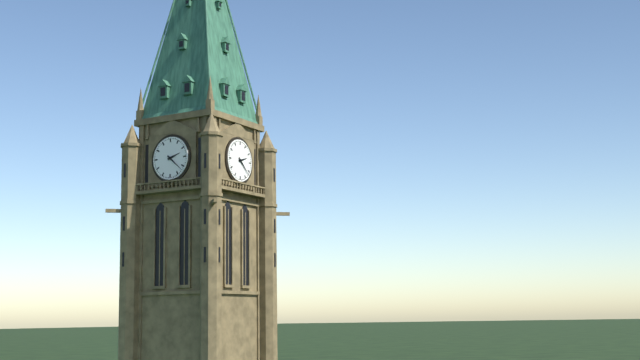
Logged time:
2h22
